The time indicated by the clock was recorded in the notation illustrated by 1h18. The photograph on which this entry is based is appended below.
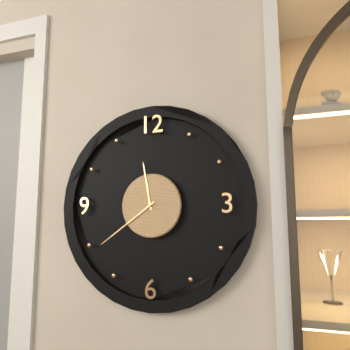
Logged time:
11h39
